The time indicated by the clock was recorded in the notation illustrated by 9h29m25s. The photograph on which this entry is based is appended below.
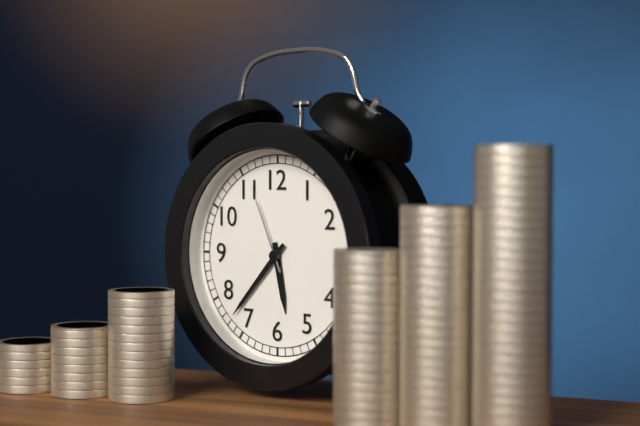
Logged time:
5h37m56s
